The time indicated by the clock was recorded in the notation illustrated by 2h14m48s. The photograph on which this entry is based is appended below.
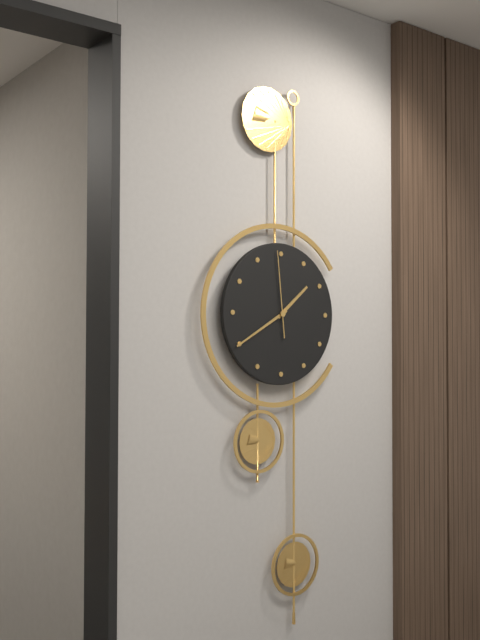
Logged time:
1h40m59s
